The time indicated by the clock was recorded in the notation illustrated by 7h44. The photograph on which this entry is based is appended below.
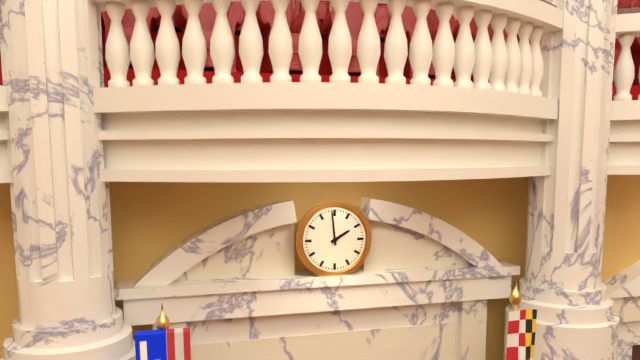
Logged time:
1h59
